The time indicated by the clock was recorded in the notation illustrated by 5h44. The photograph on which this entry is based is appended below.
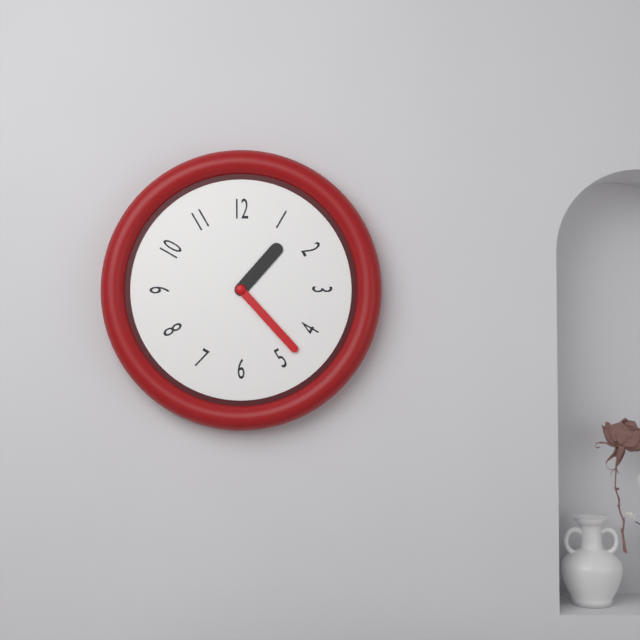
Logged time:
1h23
